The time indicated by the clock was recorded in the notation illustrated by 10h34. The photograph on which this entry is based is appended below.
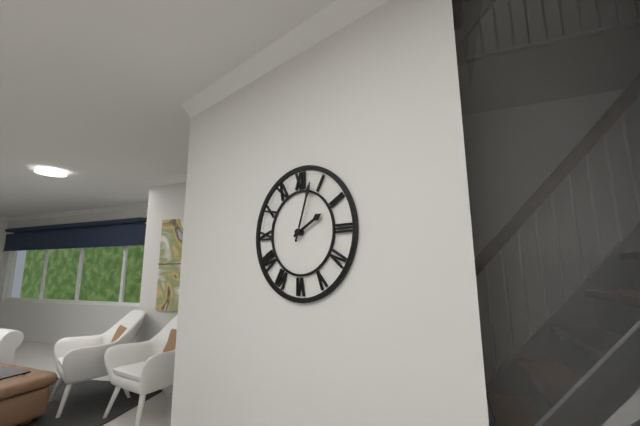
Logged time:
2h03
